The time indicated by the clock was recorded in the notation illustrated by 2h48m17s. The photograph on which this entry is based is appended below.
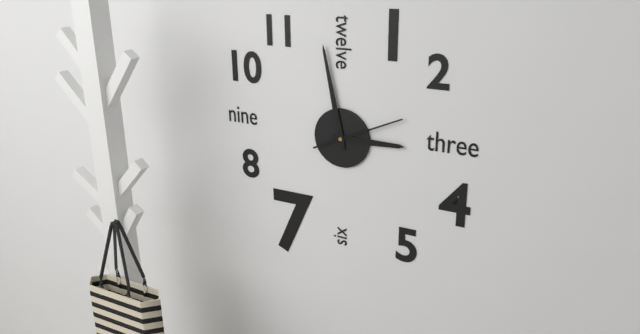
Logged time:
2h58m11s
